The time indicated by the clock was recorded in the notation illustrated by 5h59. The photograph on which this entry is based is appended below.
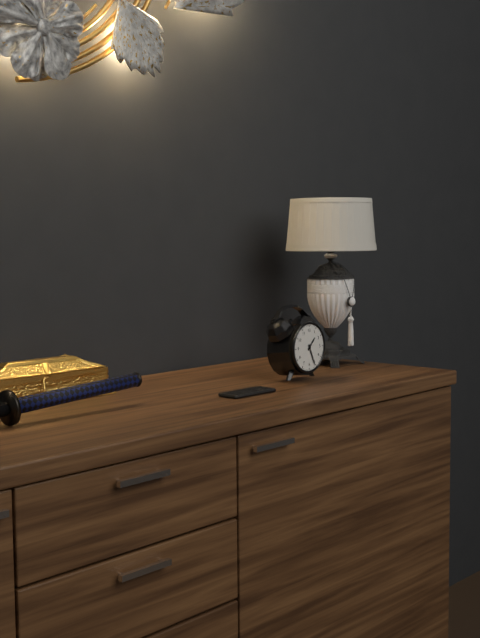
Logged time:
1h26
